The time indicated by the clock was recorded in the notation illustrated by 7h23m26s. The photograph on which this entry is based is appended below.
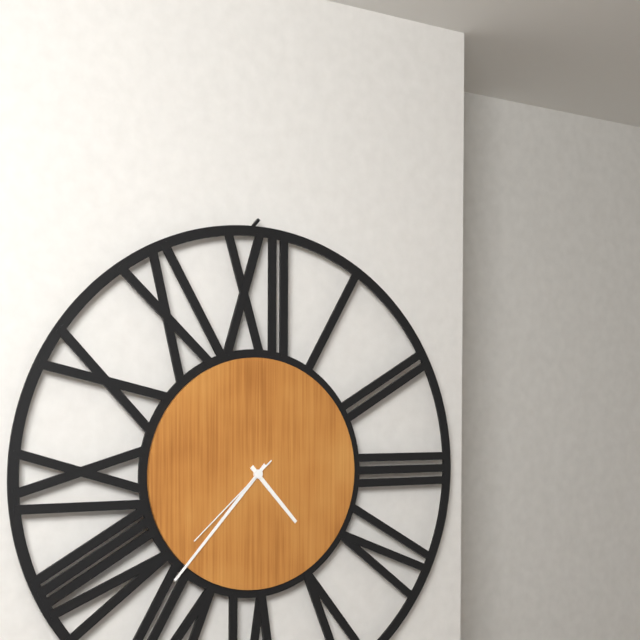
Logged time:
4h37m38s
